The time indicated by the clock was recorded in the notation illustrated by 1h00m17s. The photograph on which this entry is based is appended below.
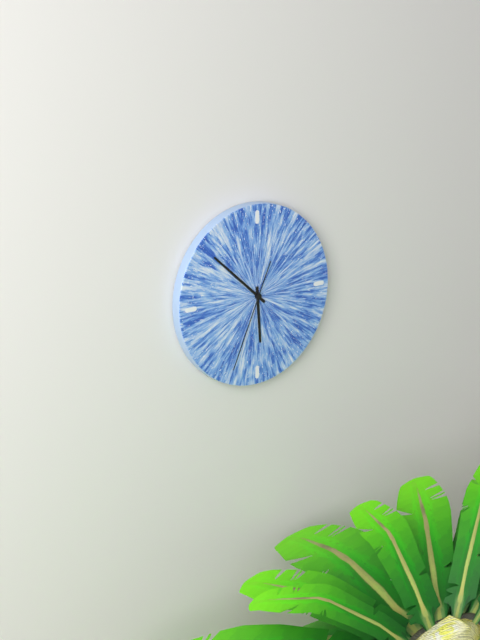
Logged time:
5h52m34s
